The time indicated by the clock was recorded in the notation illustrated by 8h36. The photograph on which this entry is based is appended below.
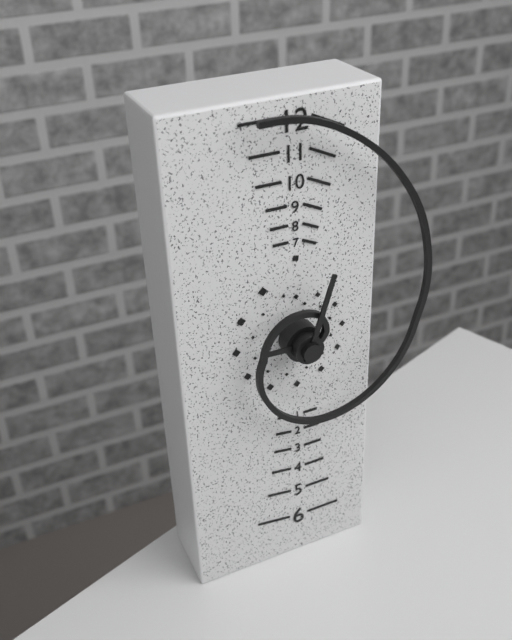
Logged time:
9h03
